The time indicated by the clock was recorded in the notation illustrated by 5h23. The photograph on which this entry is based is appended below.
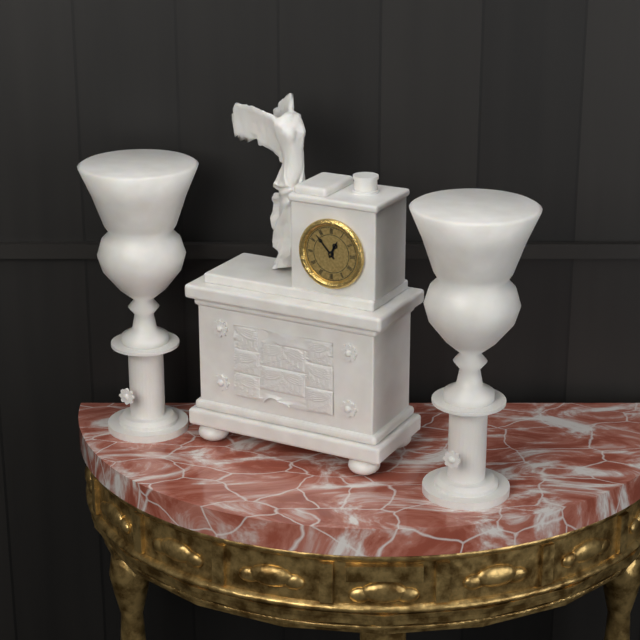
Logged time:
12h53
